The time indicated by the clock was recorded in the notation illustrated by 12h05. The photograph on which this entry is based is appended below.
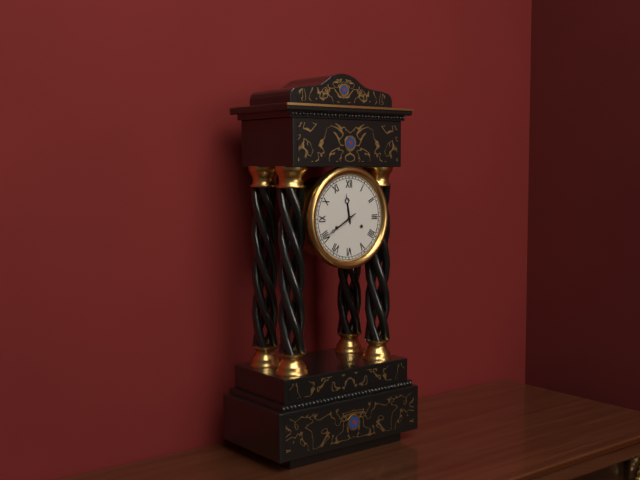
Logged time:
11h40
